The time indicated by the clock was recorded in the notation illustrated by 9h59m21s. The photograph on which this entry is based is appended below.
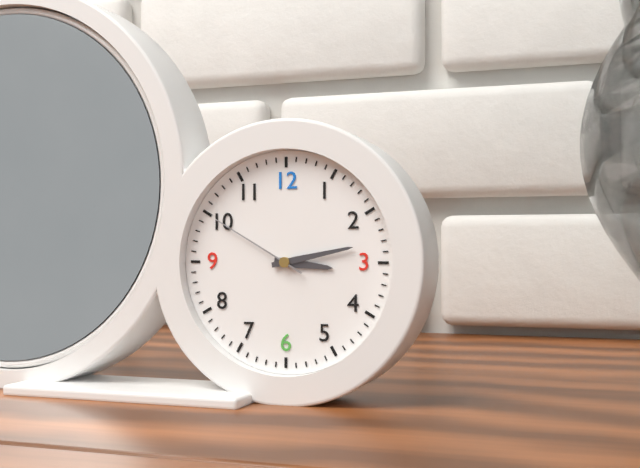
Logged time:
3h13m50s
